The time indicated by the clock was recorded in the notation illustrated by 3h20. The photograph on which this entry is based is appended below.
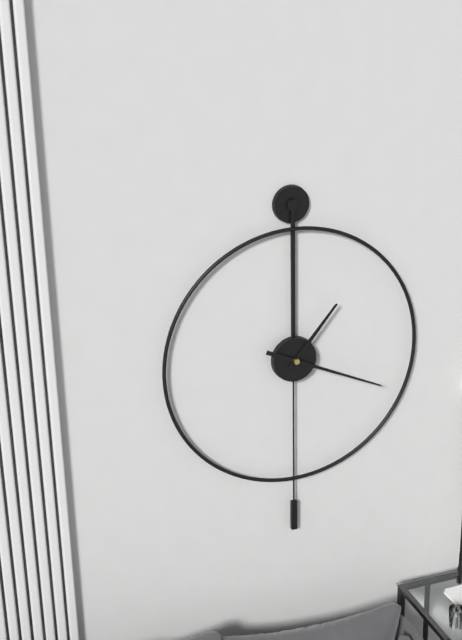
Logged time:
1h19
